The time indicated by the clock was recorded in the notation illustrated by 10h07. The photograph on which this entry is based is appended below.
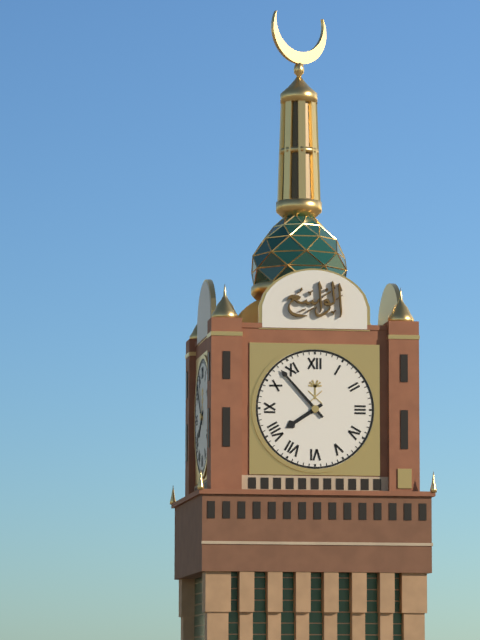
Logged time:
7h53
